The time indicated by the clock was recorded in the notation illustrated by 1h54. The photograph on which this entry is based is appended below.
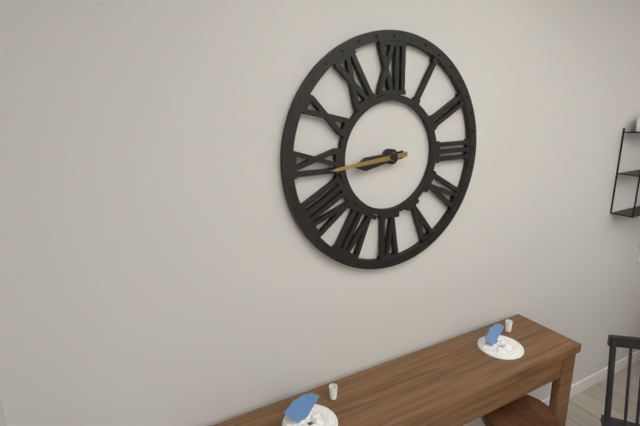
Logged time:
8h44
